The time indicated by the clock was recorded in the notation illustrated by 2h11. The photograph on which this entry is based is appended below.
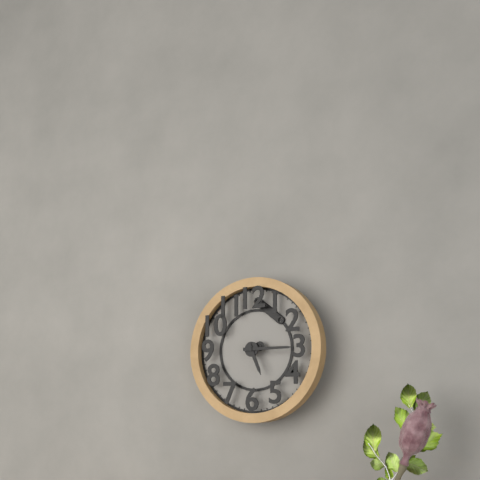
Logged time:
5h15
